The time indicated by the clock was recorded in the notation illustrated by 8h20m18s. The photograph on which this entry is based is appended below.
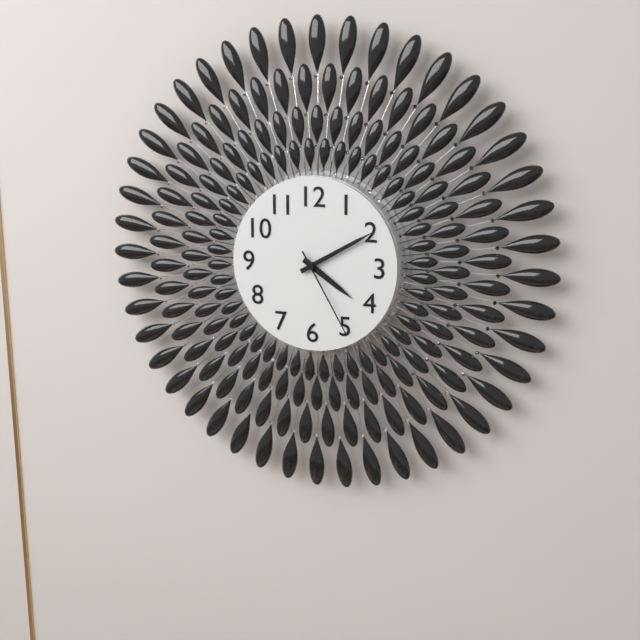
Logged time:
4h10m25s
